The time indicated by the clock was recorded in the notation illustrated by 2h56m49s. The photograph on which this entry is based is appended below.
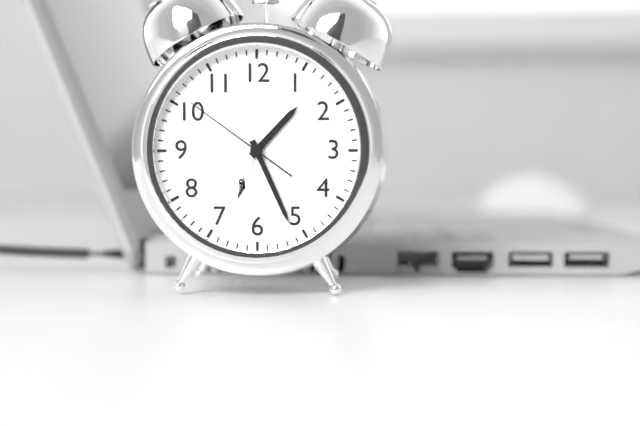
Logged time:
1h26m51s
